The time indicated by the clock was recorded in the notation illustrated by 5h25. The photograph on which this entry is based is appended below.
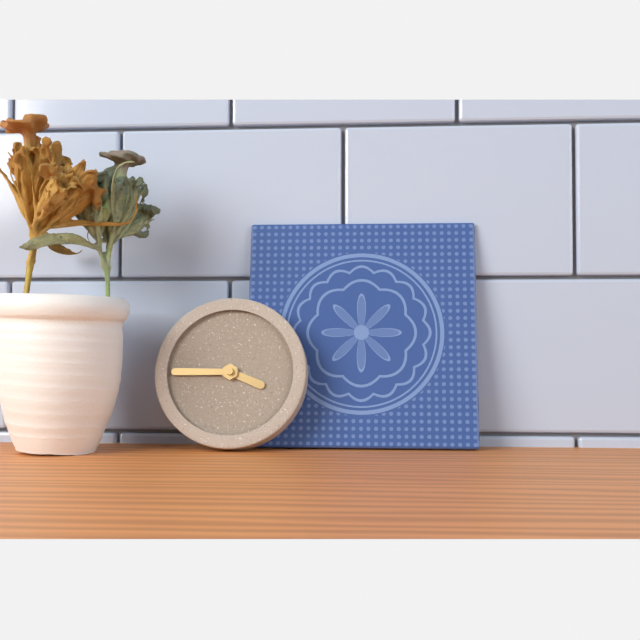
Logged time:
3h45
